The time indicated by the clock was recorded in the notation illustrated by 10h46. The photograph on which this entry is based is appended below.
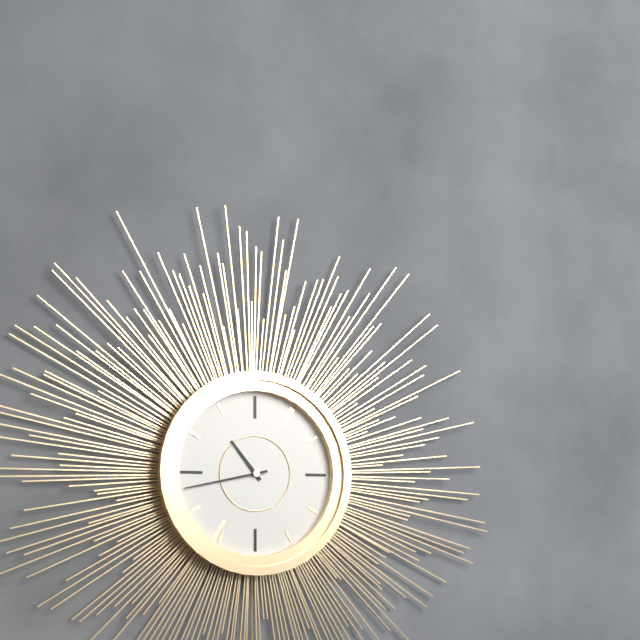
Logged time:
10h43
